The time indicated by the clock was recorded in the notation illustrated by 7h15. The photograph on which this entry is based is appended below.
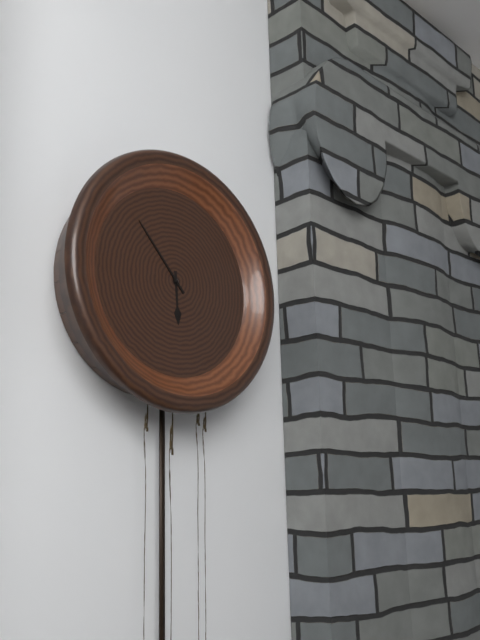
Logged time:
5h53
